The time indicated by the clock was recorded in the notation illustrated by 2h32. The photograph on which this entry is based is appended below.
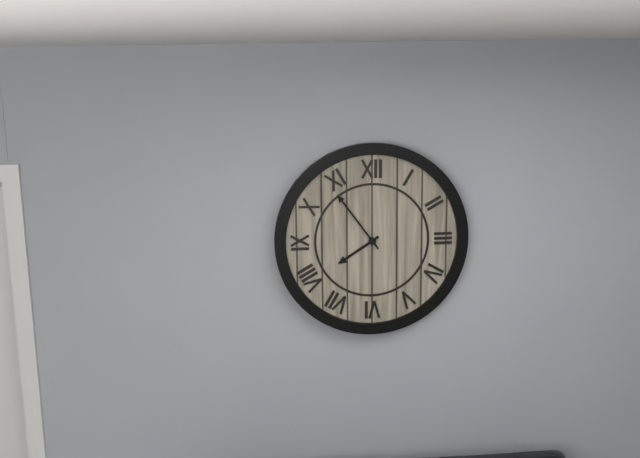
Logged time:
7h54
